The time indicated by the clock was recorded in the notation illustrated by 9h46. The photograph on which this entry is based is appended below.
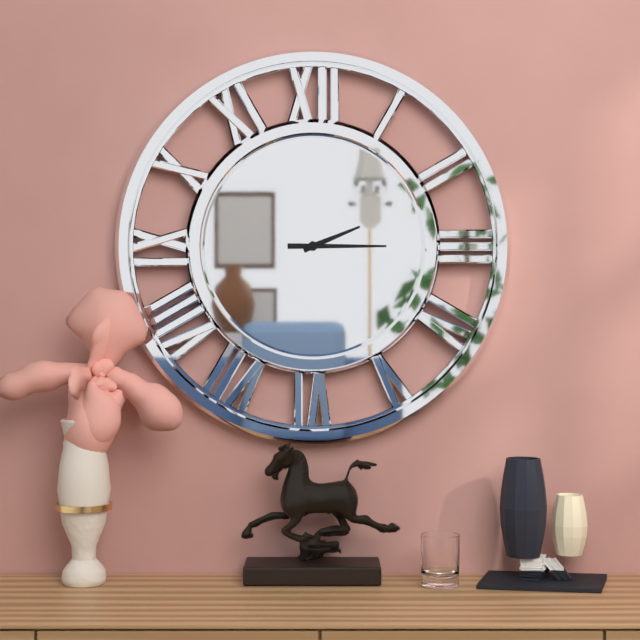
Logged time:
2h15
